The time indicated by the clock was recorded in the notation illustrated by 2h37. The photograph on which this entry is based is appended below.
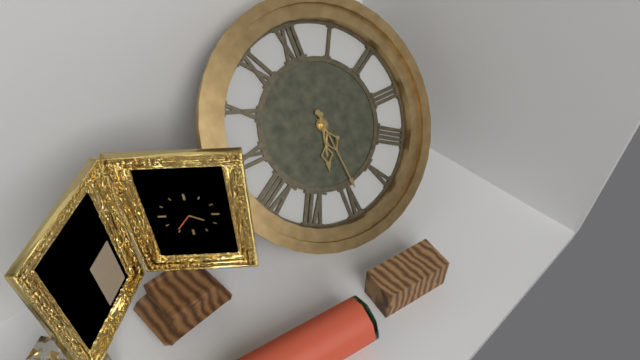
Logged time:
6h29
